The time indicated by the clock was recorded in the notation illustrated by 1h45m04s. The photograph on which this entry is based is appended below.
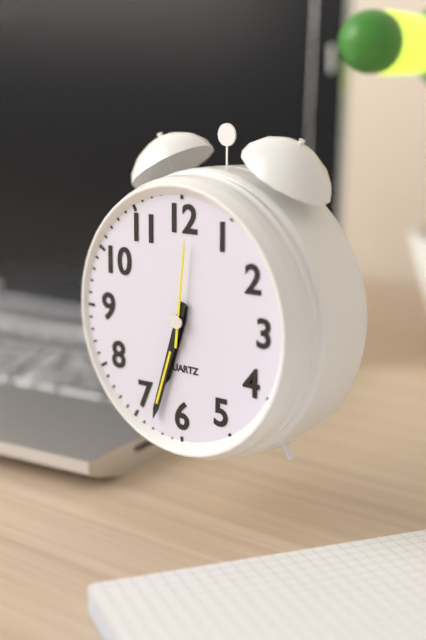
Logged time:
6h33m01s
